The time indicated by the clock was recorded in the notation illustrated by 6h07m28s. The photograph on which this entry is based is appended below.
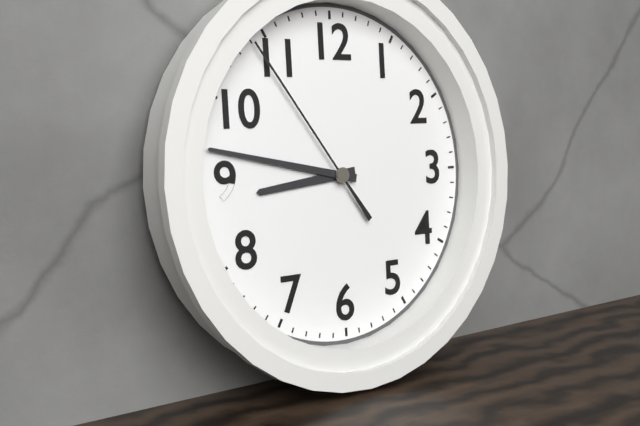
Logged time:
8h47m54s
